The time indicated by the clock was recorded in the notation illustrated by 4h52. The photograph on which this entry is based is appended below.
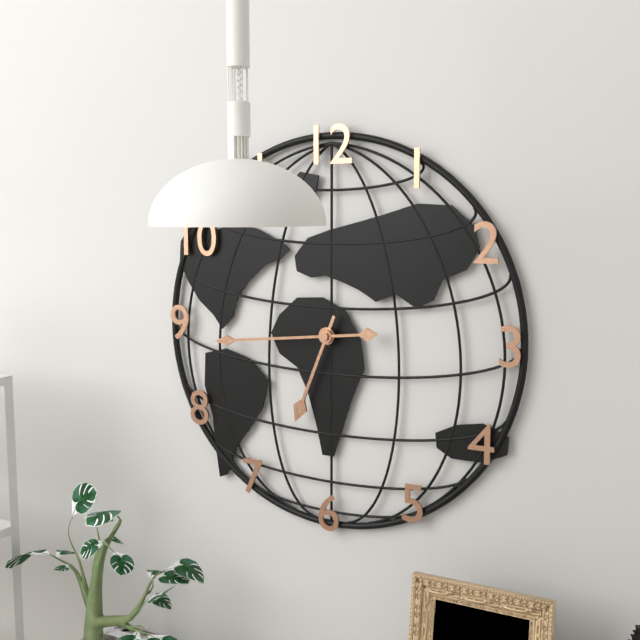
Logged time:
6h44
